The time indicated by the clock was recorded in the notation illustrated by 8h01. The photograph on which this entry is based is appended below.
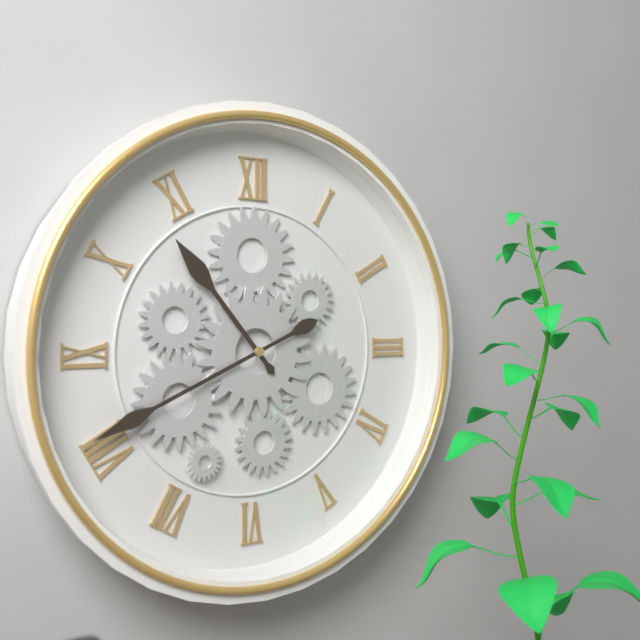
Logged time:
10h41
